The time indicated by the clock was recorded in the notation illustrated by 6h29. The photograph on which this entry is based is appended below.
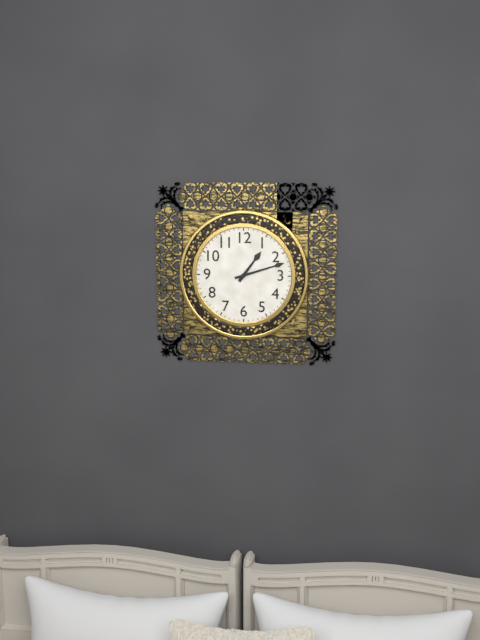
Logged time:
1h12
